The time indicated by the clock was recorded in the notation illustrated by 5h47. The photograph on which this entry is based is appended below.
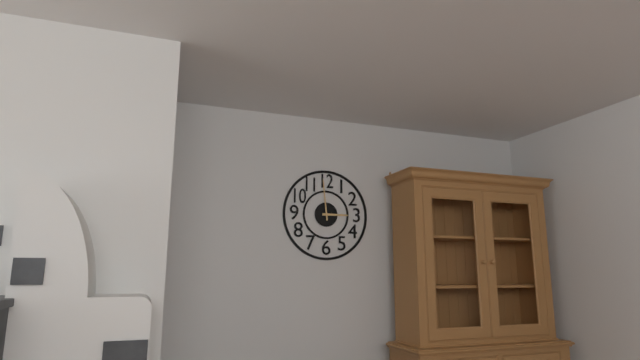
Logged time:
2h59
